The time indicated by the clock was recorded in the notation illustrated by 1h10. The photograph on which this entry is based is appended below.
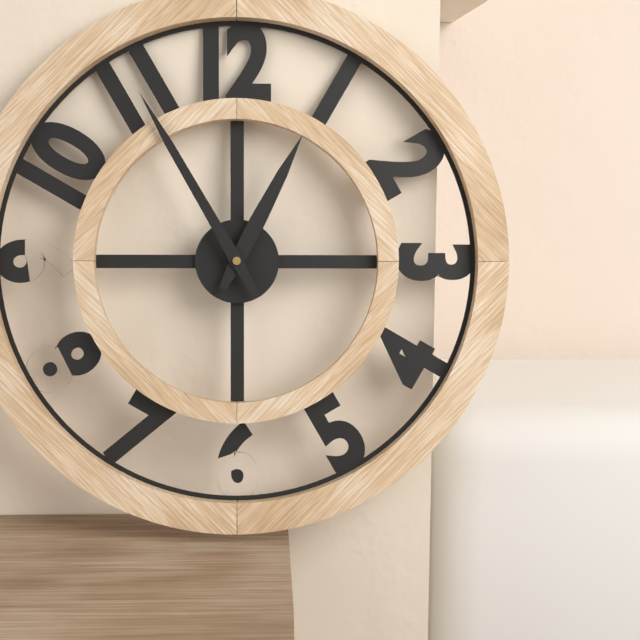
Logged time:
12h55
